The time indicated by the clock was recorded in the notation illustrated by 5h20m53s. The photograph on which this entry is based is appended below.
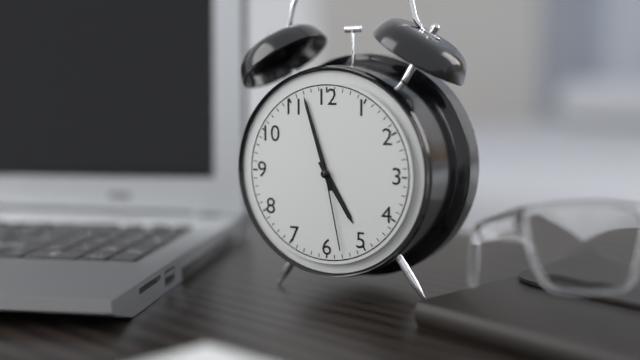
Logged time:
4h57m28s
